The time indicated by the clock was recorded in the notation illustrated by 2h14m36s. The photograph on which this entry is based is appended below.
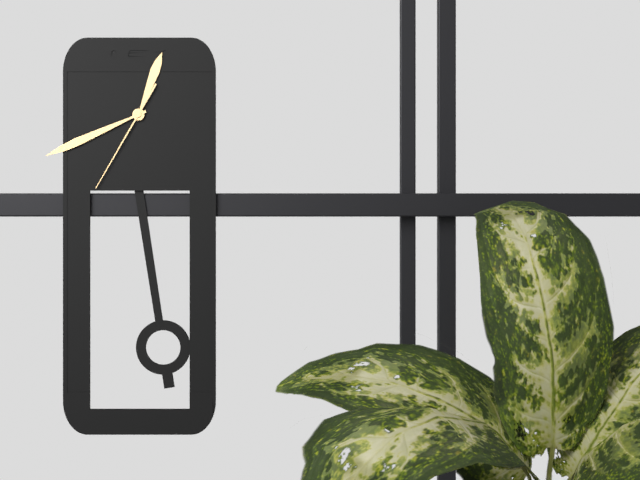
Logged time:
12h41m35s
